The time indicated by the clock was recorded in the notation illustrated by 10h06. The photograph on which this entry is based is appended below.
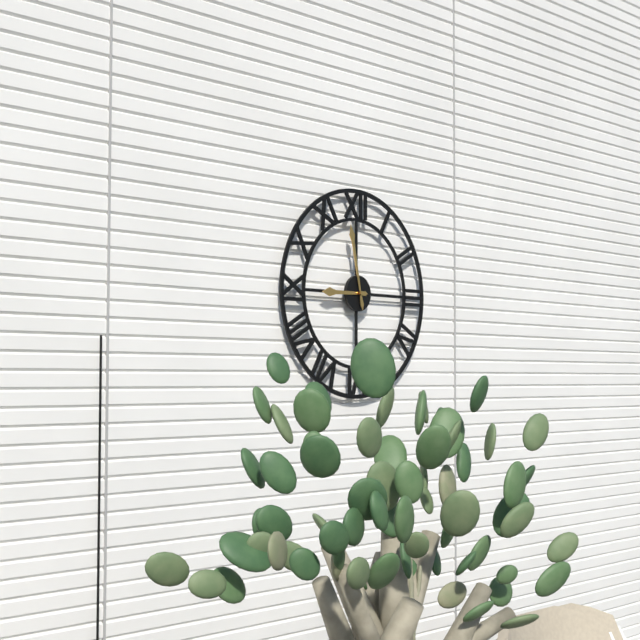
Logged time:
8h58
